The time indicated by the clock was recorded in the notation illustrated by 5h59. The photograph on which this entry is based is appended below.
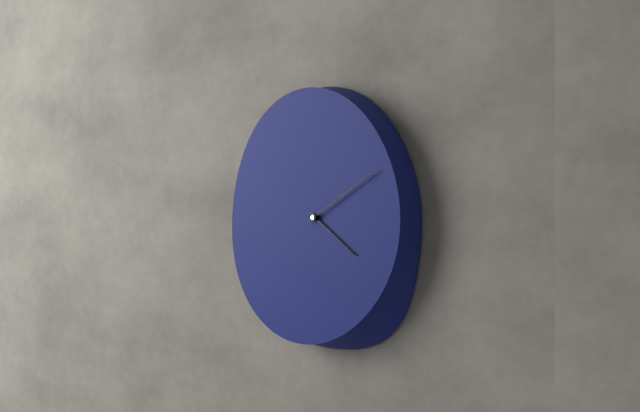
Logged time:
4h10
